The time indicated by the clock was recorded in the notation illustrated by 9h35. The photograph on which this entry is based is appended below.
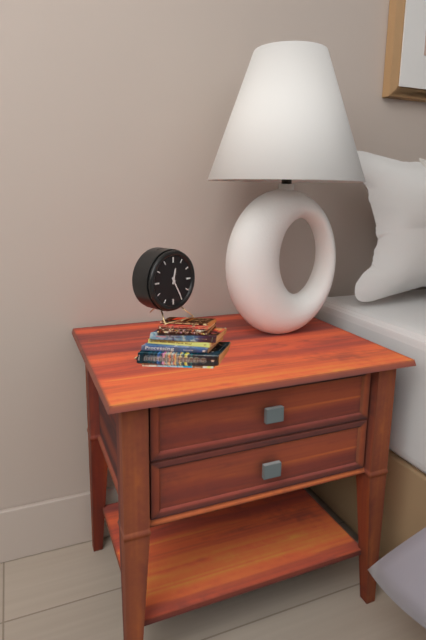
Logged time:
12h25
